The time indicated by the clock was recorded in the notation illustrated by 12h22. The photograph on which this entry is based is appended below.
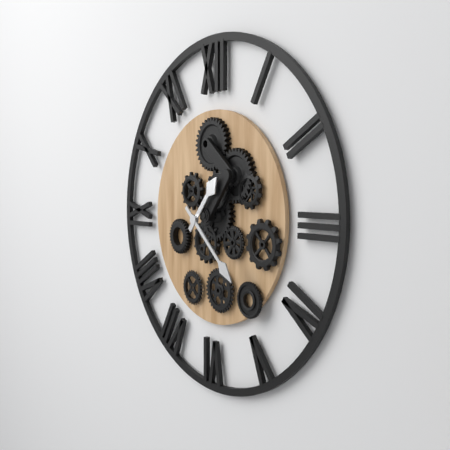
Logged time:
1h22
